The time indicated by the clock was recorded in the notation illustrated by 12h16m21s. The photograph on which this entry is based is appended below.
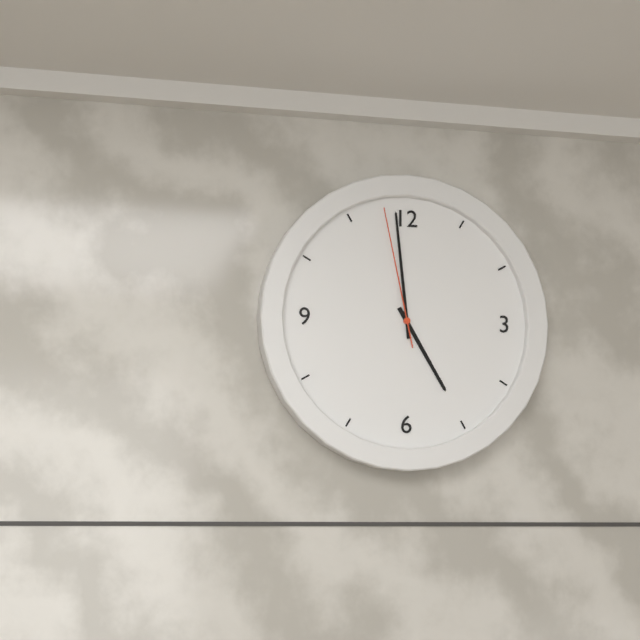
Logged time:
4h59m58s
